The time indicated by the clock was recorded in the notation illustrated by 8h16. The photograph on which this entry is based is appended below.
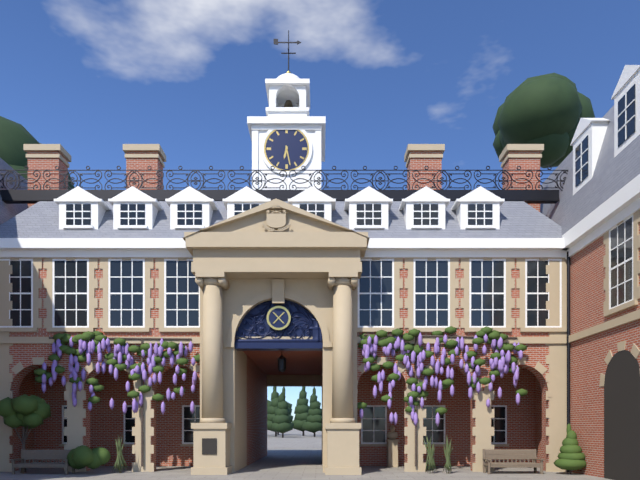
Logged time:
6h28
